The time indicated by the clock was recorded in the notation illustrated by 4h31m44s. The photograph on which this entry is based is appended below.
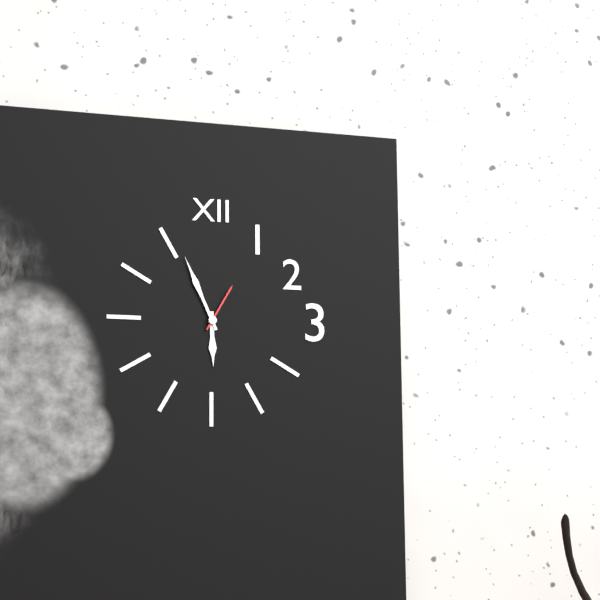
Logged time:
5h56m05s
